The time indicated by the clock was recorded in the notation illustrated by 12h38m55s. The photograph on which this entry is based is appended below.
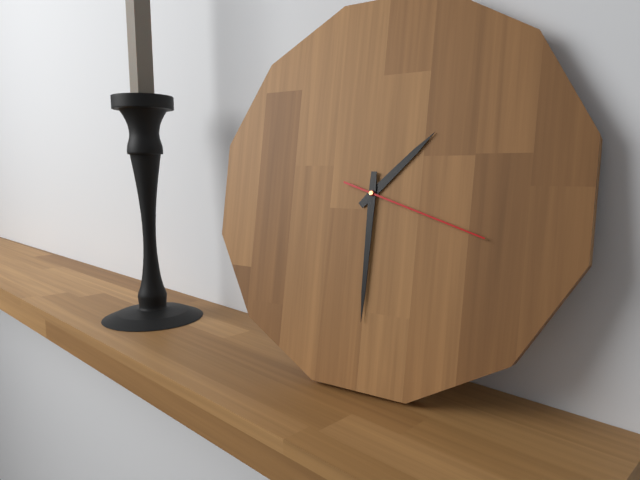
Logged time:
1h30m18s
